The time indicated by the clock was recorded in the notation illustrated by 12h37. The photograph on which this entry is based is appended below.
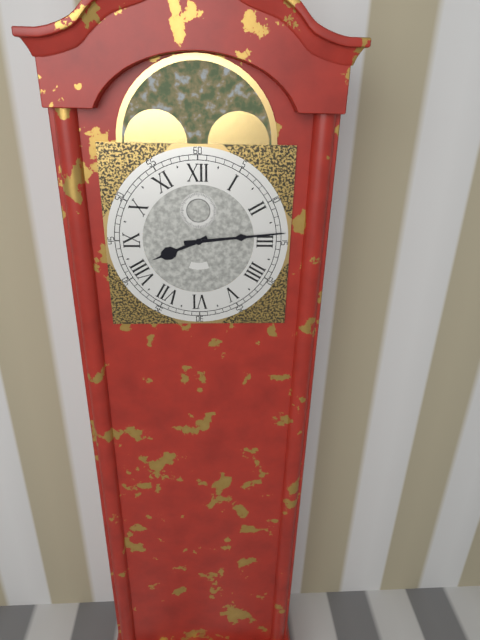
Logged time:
8h14
